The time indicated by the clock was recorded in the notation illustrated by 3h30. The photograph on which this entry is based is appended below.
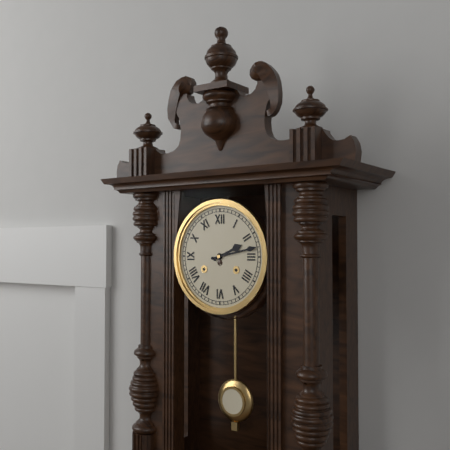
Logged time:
2h13
